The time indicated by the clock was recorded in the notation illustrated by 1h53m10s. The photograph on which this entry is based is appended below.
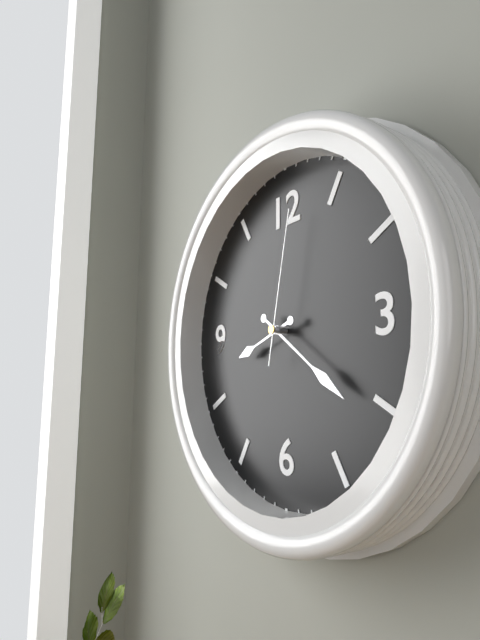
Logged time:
8h21m02s
